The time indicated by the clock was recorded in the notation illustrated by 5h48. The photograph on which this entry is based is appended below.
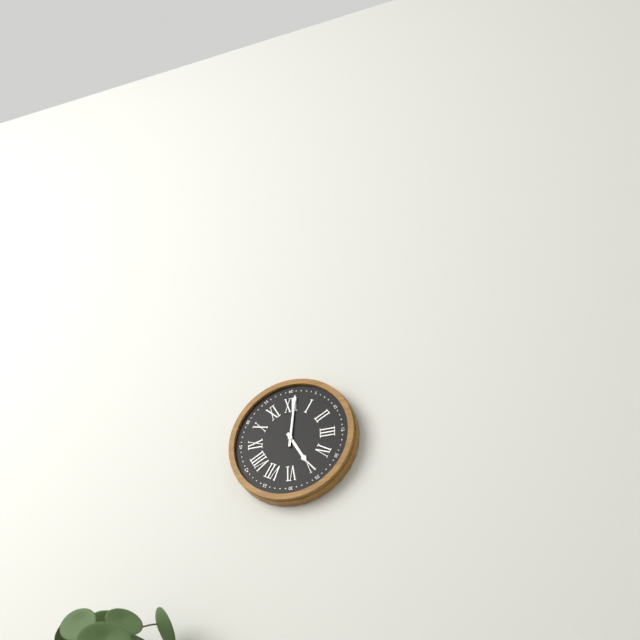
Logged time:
5h01
